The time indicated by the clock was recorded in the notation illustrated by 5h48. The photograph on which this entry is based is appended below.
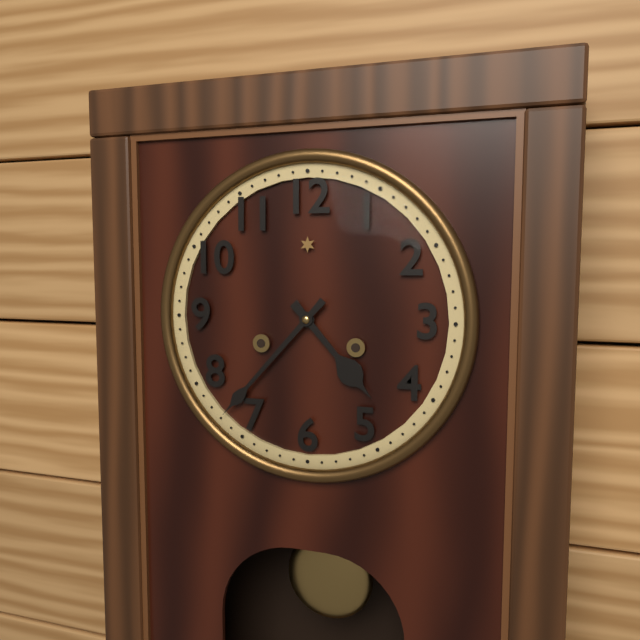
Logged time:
4h37
